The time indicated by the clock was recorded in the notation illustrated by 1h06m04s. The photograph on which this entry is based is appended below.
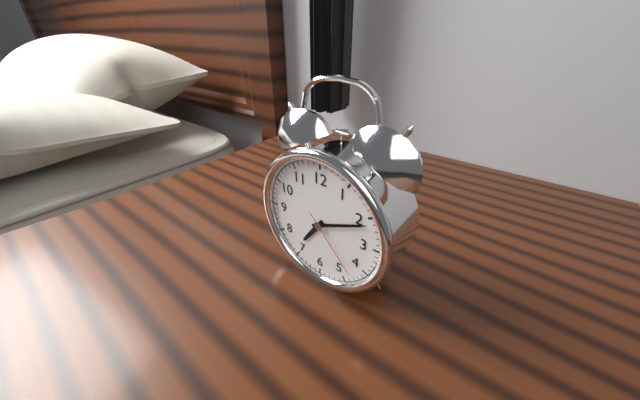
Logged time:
7h11m23s
